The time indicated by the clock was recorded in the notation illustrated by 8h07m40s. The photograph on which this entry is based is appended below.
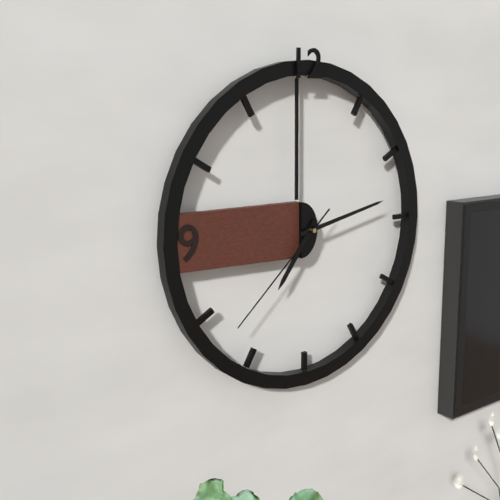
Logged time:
7h13m38s
